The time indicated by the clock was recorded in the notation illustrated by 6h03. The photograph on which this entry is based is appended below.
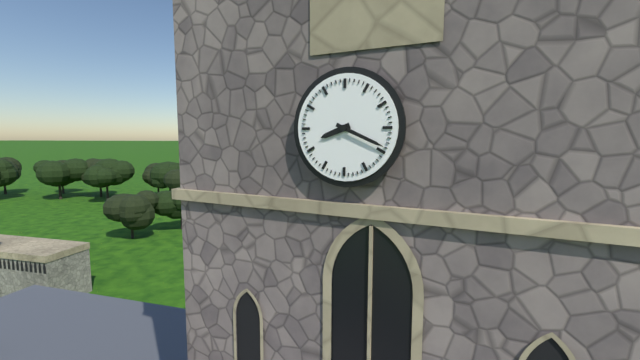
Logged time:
8h19
